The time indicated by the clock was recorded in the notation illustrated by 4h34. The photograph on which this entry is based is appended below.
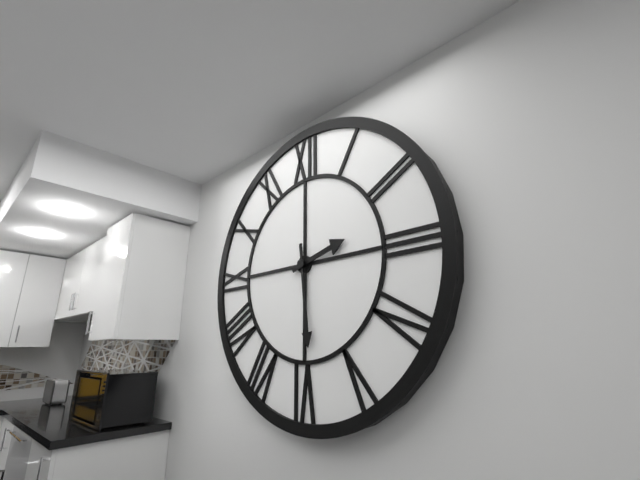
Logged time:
2h29
